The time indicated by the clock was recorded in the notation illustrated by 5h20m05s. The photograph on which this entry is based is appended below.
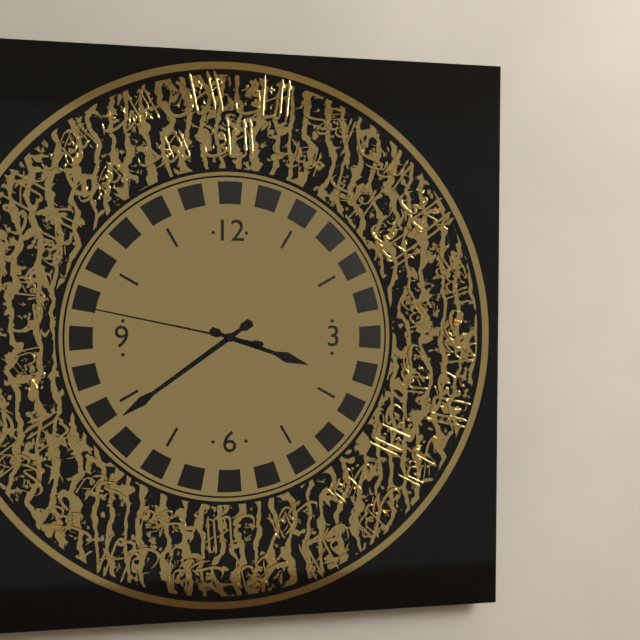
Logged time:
3h39m47s
